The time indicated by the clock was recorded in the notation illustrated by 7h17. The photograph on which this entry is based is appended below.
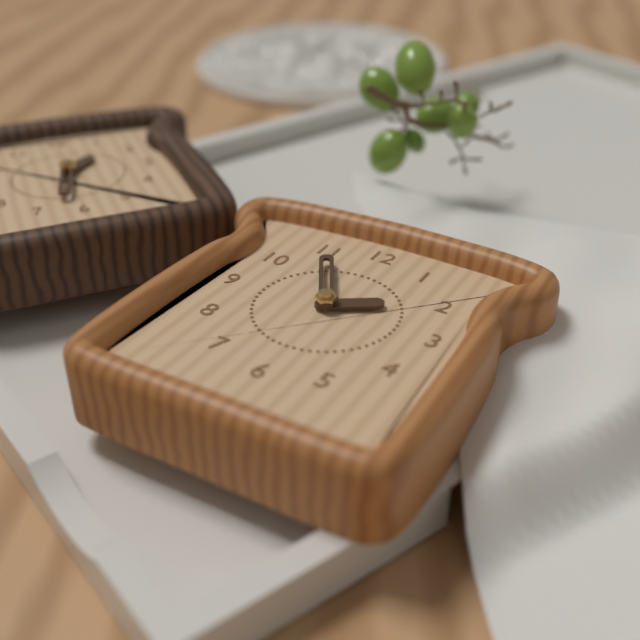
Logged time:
1h55
